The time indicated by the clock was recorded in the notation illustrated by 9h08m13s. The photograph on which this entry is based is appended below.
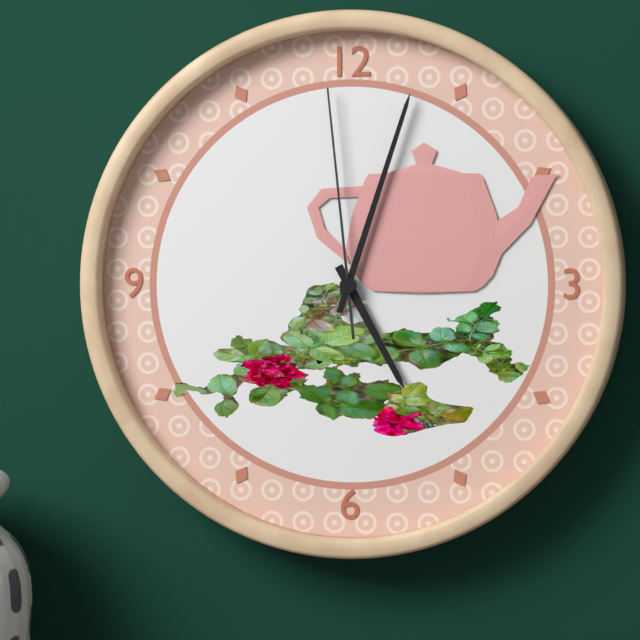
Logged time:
5h03m59s
